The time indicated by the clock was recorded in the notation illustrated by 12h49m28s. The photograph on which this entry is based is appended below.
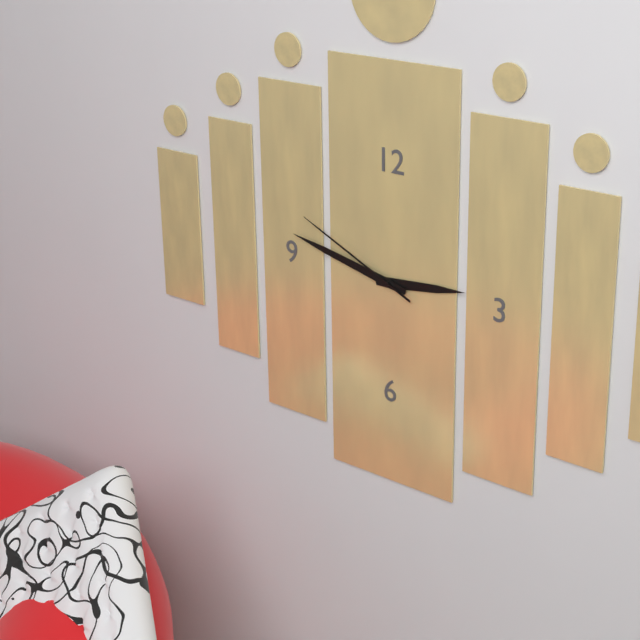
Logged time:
2h47m49s
